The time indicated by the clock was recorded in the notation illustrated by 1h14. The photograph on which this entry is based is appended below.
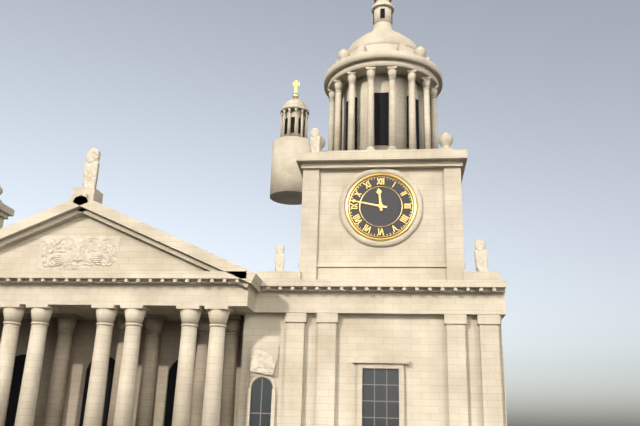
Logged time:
11h47
